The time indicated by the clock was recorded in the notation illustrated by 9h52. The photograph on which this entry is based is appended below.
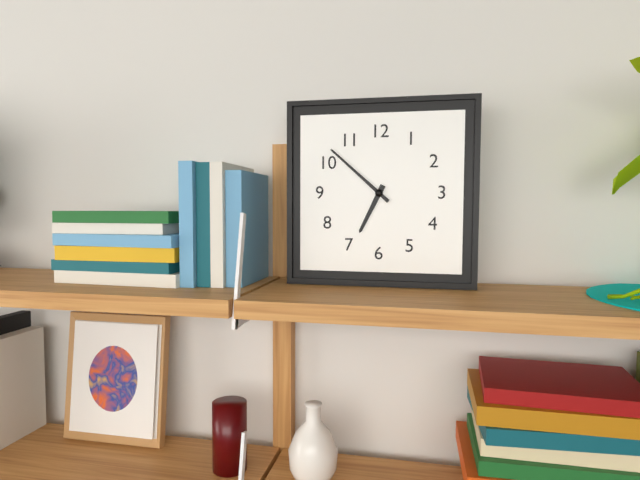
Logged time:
6h52
